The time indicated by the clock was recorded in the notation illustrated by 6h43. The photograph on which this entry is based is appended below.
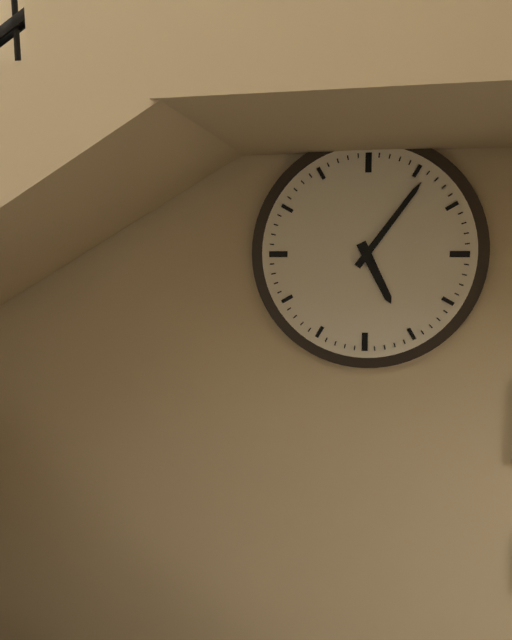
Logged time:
5h06
